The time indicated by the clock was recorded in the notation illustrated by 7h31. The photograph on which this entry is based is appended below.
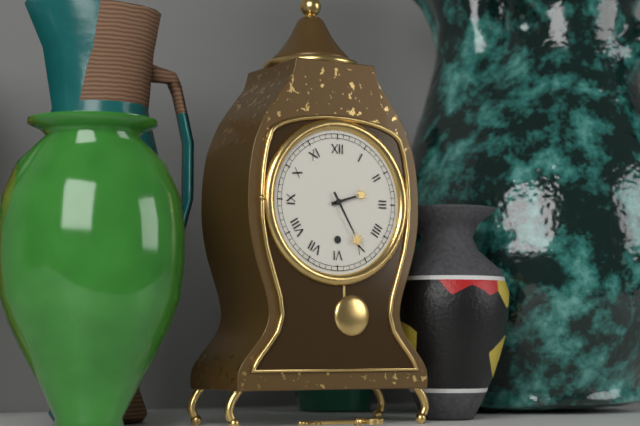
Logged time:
2h25
